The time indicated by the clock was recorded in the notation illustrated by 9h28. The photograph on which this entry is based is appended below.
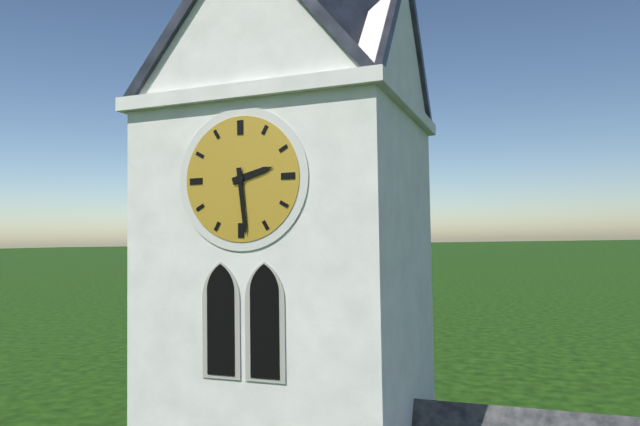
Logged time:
2h29
